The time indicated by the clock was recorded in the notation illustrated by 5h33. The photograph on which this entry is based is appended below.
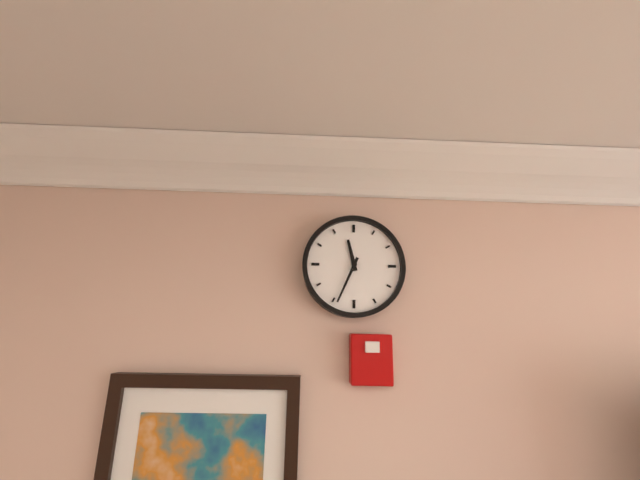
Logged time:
11h34
